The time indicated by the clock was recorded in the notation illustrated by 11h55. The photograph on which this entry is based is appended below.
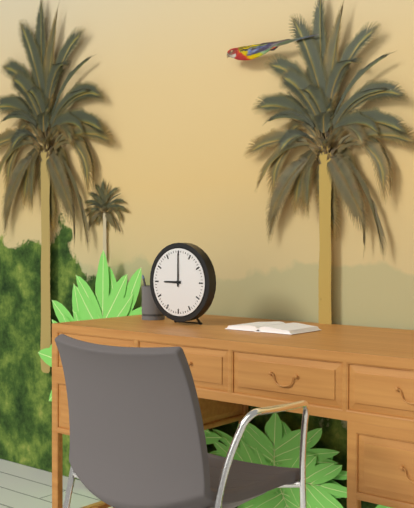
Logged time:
9h00
